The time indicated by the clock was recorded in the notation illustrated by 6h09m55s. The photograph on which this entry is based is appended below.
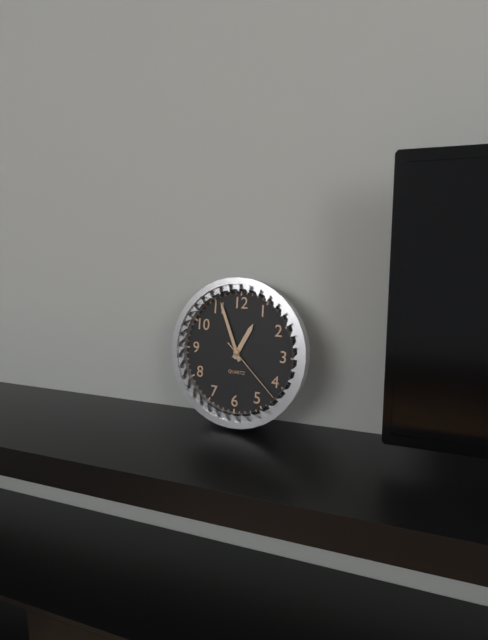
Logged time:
12h56m22s
